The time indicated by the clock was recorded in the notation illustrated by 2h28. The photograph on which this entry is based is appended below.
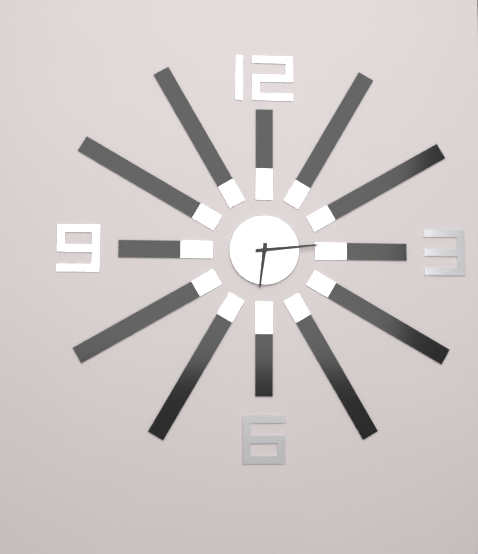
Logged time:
6h14
